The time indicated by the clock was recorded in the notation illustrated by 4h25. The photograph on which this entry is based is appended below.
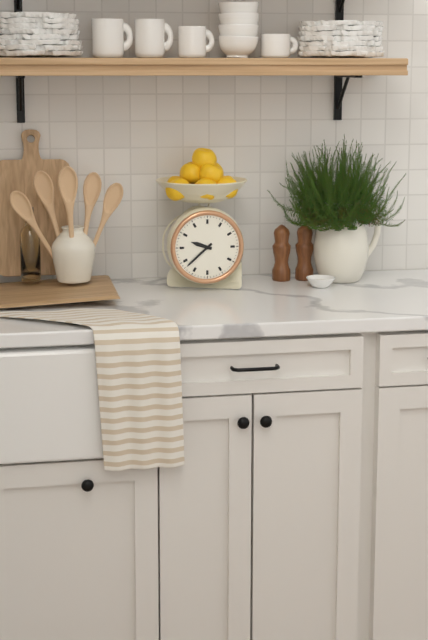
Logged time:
9h38
